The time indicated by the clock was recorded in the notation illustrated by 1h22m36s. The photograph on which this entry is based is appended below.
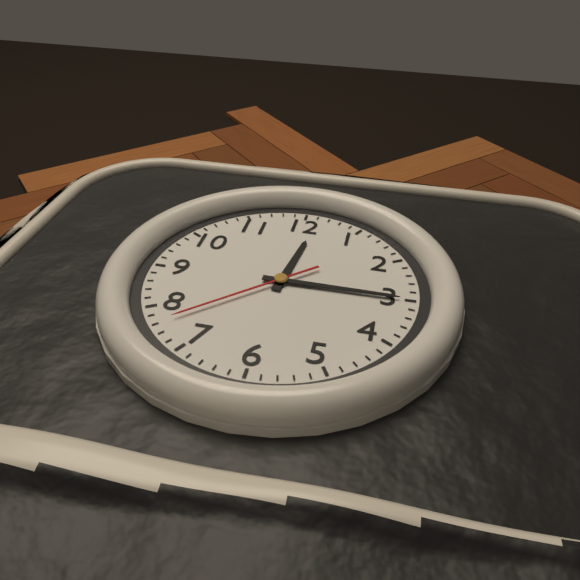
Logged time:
12h15m38s
